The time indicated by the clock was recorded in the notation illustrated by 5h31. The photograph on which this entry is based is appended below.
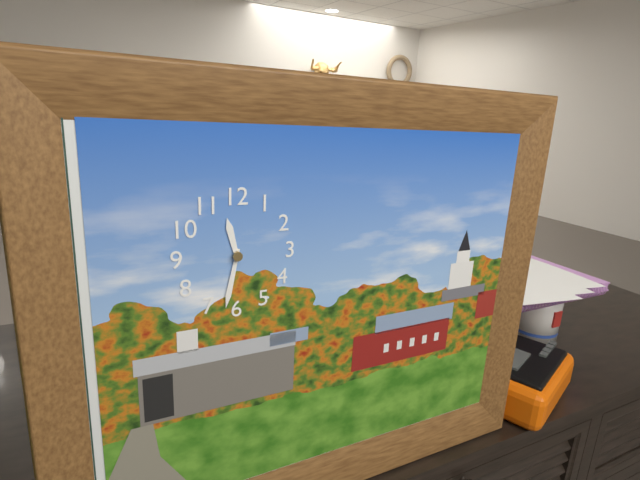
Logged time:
11h32
